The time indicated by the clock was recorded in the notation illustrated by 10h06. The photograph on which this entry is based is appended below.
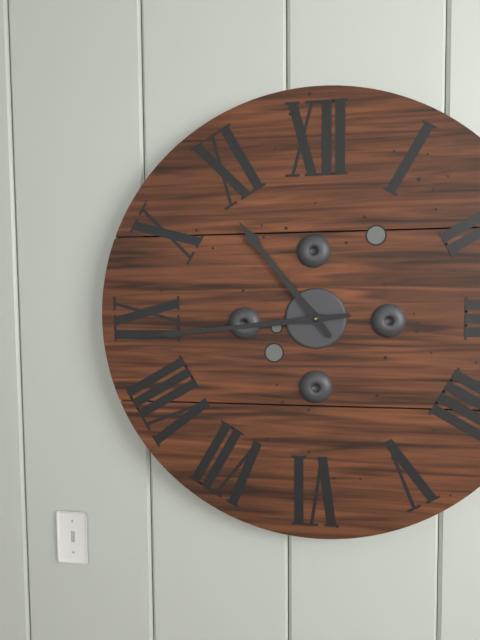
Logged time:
10h44
